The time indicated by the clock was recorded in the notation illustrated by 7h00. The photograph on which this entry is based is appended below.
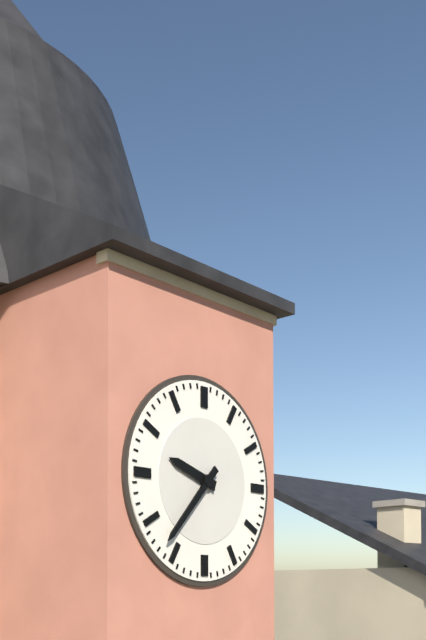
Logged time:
9h37
